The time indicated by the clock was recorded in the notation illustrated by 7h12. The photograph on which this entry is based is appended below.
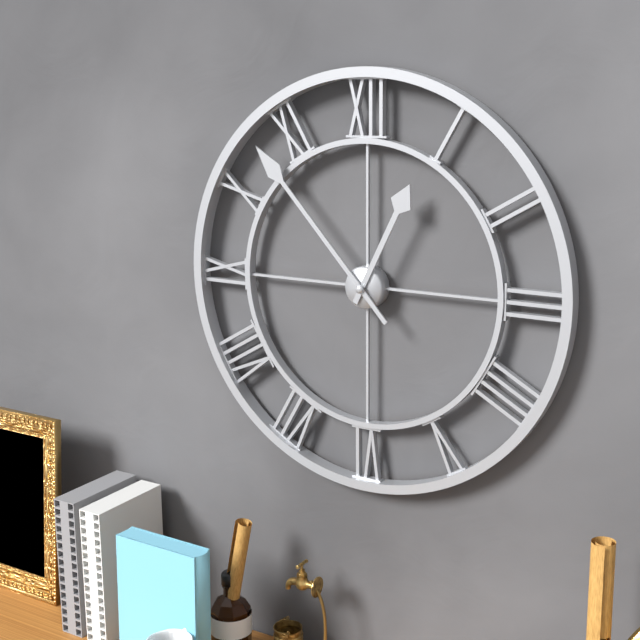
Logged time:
12h53
